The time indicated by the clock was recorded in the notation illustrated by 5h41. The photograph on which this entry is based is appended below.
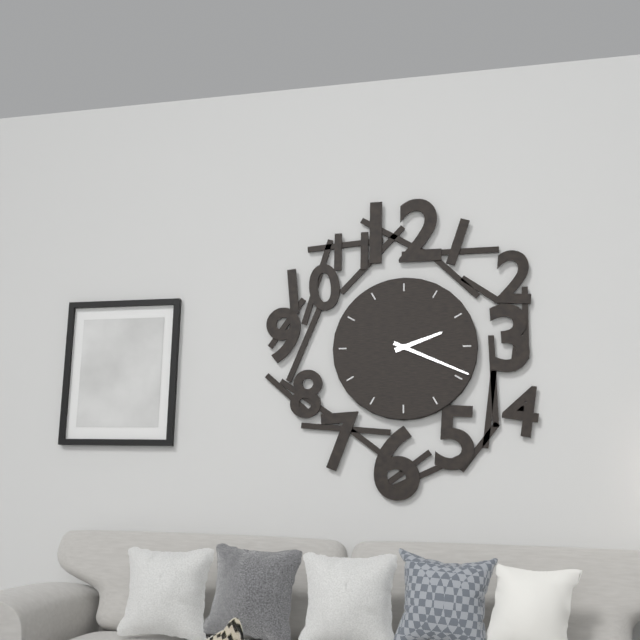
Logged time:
2h19
